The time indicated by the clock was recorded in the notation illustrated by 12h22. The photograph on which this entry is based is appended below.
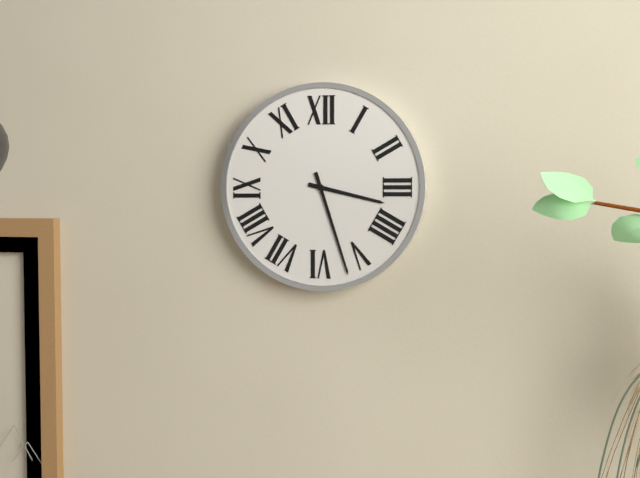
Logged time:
3h27
